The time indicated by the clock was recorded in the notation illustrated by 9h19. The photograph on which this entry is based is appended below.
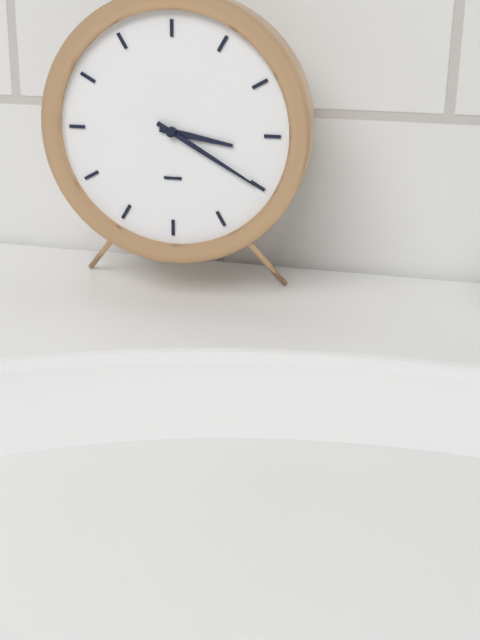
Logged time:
3h20
